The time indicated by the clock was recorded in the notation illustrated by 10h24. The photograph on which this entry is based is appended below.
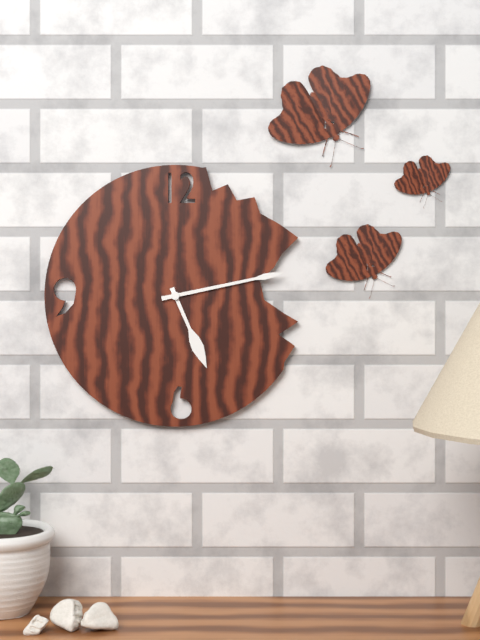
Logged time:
5h13
